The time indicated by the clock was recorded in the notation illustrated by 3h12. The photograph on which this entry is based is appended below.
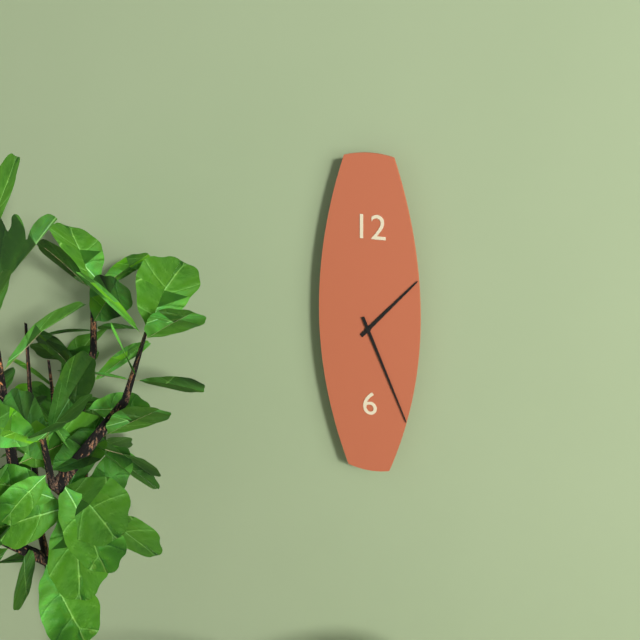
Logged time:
1h26
